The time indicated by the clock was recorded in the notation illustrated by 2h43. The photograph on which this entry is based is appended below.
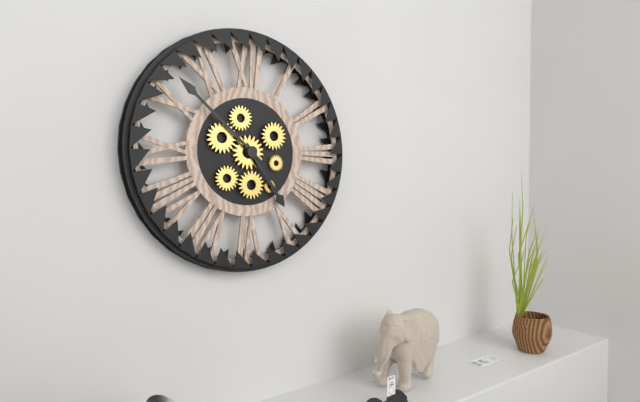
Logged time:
4h52
